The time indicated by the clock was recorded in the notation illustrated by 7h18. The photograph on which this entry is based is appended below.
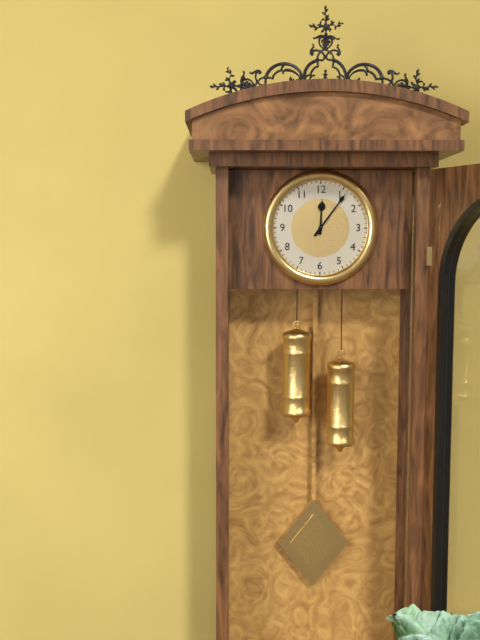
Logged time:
12h06
